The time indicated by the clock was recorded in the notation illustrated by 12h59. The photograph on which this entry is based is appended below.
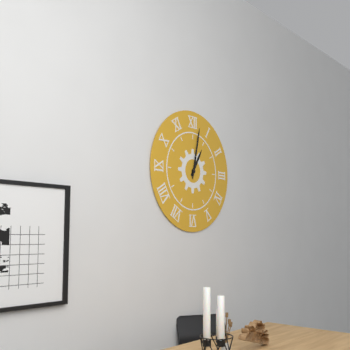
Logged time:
1h02
